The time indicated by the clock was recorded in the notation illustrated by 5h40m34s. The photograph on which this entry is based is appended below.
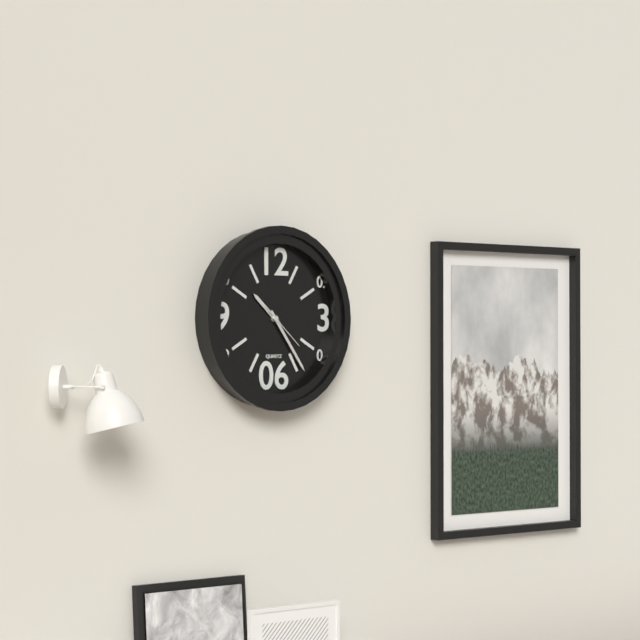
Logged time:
10h24m22s
